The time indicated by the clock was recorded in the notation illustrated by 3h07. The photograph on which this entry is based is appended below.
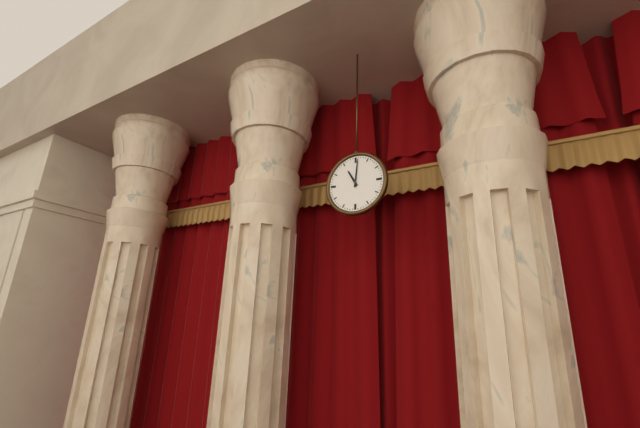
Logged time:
11h01
